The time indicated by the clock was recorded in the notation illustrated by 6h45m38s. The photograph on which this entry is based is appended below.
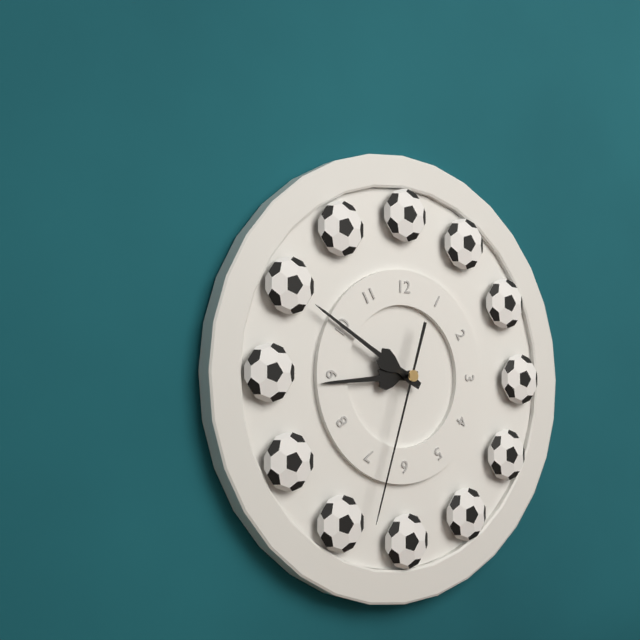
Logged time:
8h50m33s
